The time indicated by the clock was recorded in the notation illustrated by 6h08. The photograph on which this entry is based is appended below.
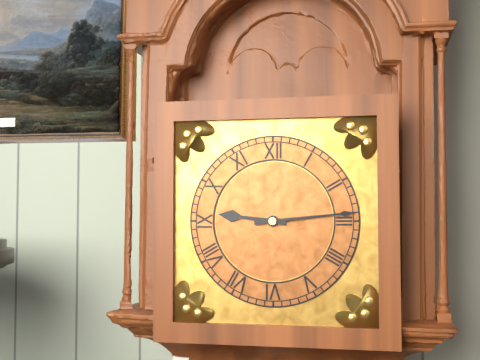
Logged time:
9h14
